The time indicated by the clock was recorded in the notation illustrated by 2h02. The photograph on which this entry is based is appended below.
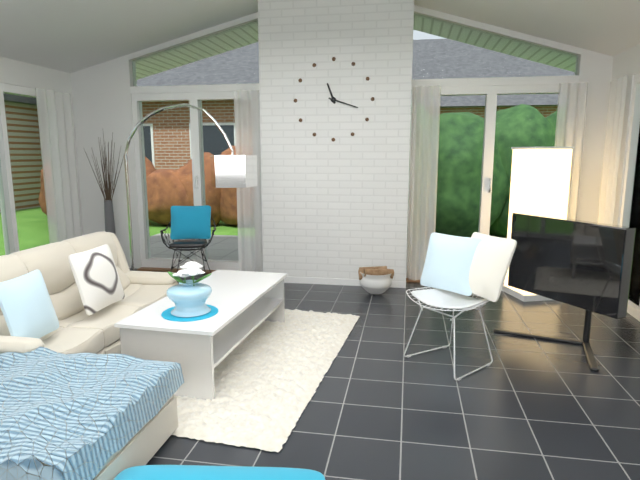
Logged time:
11h18
